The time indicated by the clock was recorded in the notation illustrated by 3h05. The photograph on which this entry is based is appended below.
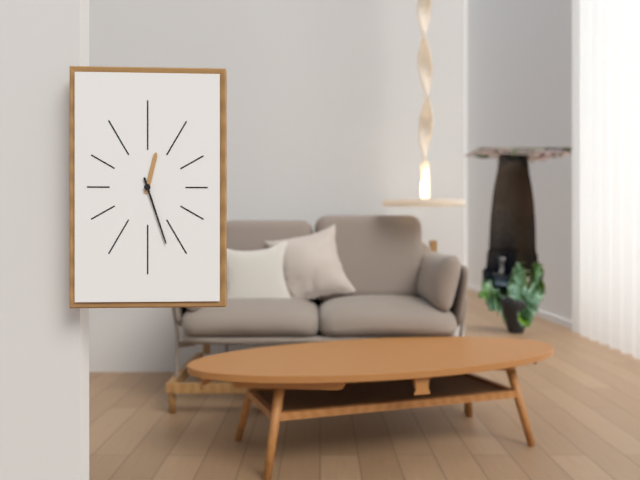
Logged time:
12h27
